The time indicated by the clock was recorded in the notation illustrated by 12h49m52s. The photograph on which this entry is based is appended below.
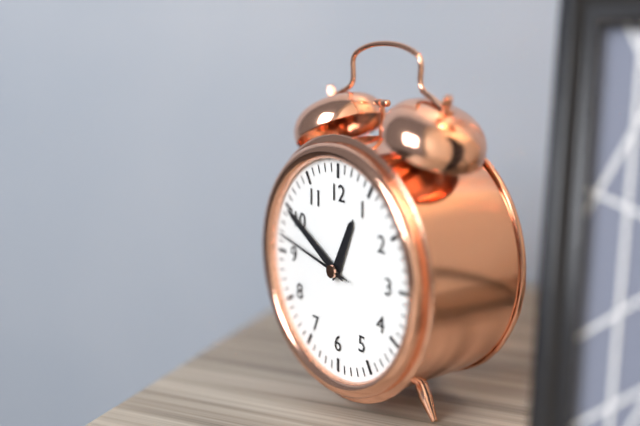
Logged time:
12h50m47s
